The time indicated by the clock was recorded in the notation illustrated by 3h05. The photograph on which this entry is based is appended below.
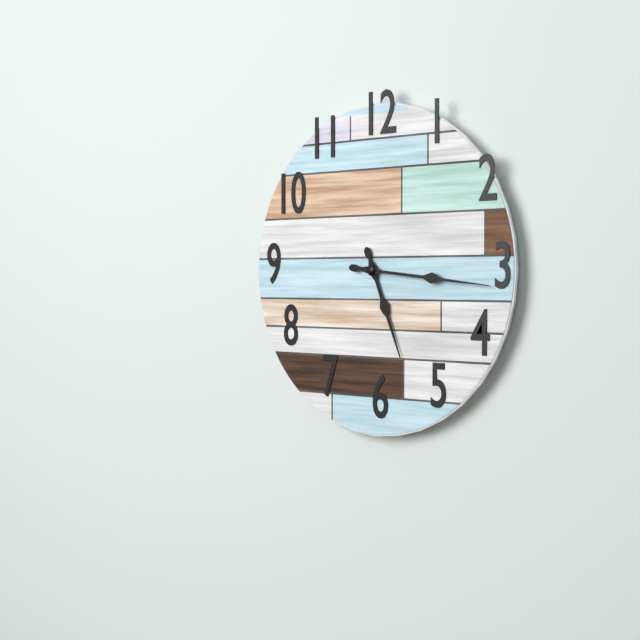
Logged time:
5h16
